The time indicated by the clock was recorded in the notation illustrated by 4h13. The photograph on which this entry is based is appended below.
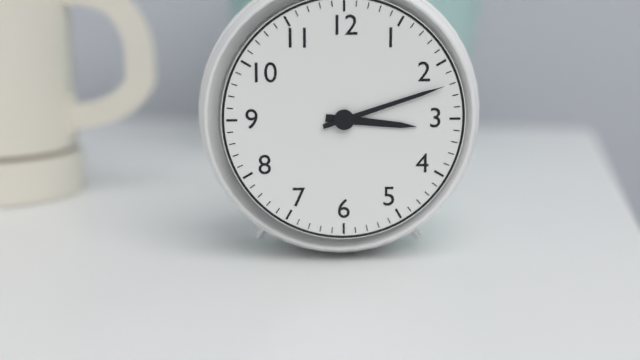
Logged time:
3h12
